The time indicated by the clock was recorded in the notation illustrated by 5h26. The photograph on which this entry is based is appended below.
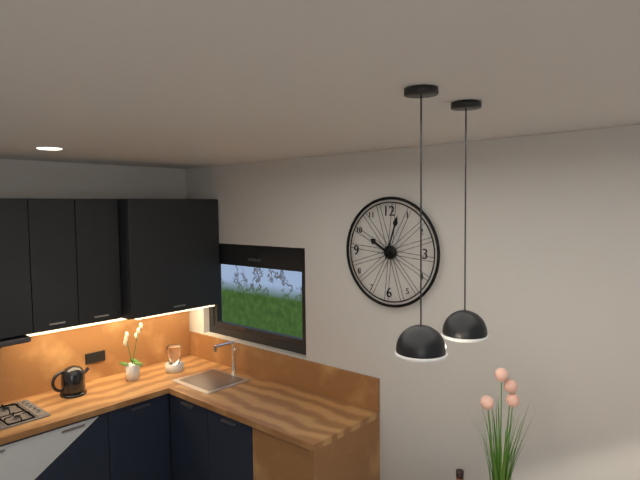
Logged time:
10h03
